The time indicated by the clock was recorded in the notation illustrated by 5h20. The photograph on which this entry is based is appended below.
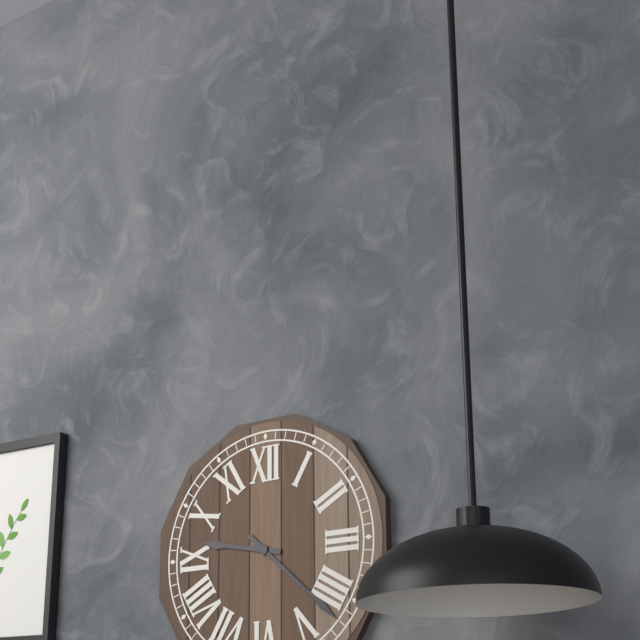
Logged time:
9h22
